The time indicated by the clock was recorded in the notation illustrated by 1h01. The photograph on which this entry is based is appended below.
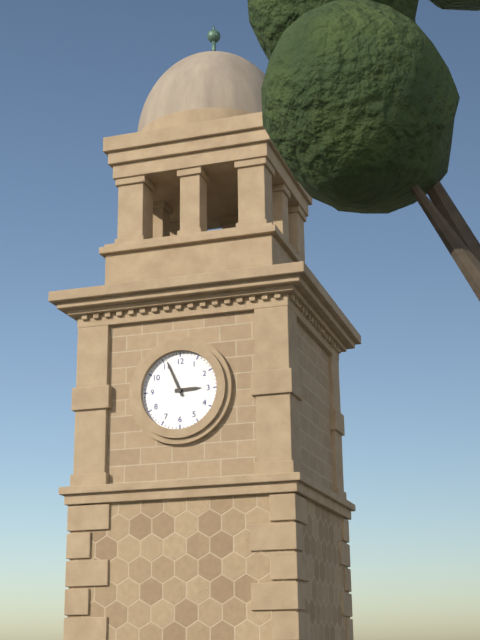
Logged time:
2h56
